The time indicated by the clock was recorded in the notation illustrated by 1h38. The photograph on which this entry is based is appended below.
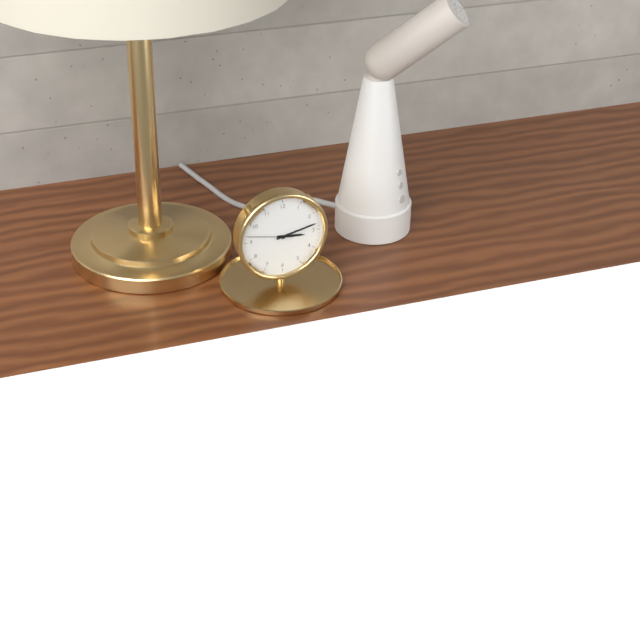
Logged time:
3h13
